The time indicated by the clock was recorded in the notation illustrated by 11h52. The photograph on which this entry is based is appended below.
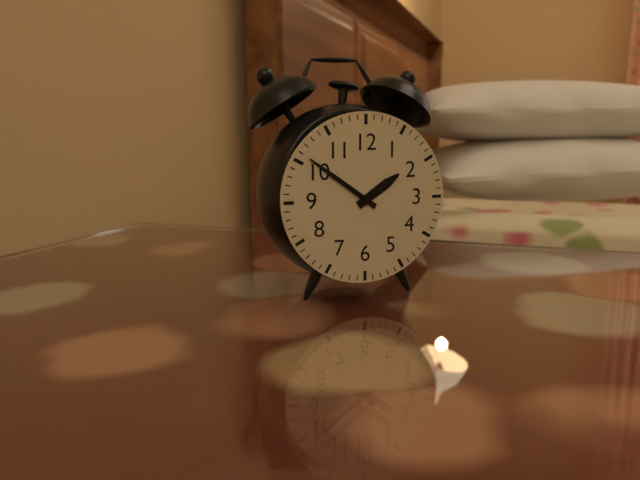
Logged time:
1h51
